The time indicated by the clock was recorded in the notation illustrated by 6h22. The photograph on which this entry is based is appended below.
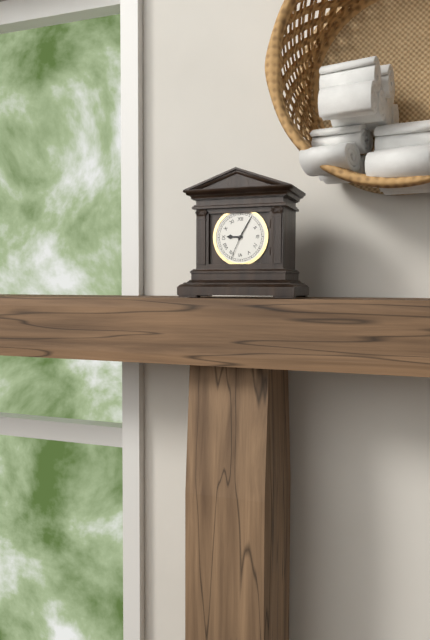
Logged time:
9h05
